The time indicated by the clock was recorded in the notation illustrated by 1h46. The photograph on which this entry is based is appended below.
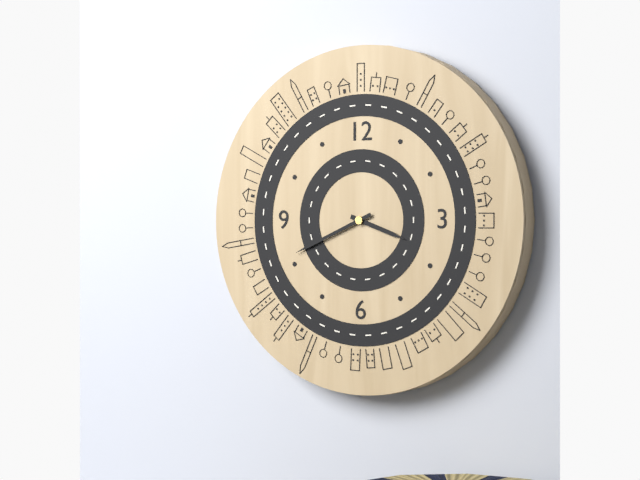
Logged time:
3h41
